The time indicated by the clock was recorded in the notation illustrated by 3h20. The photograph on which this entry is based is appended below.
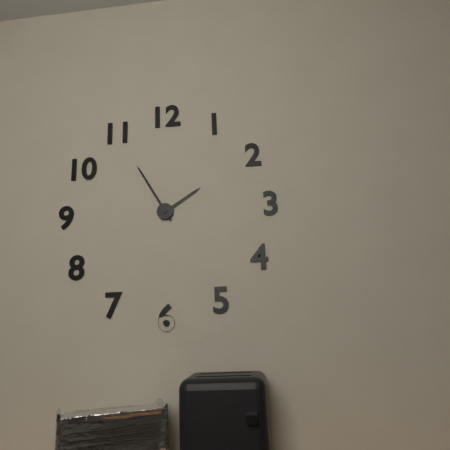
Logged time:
1h55
